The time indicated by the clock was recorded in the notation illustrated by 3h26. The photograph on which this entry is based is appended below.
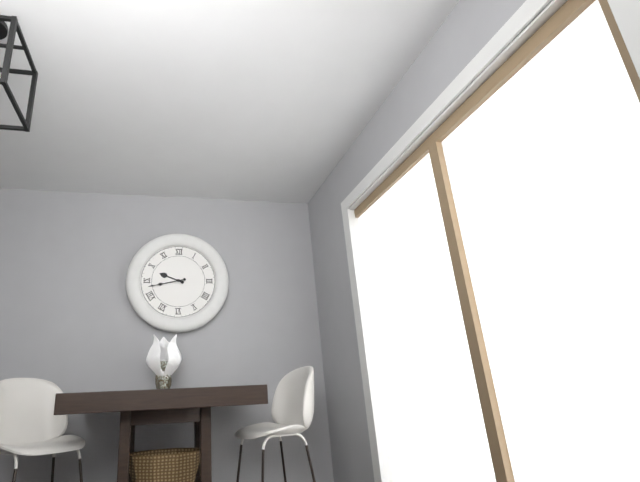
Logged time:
9h43
